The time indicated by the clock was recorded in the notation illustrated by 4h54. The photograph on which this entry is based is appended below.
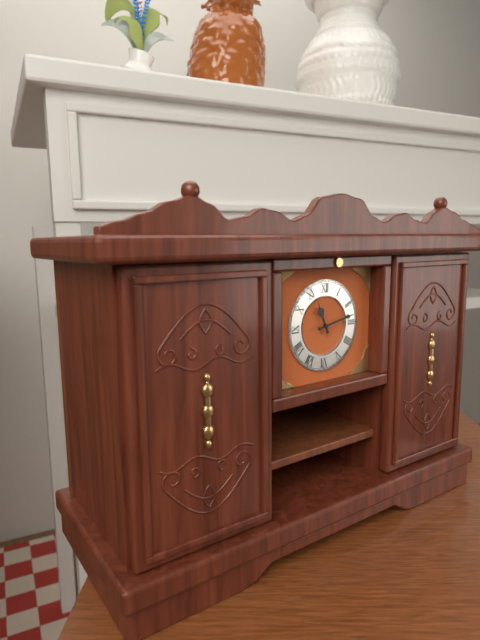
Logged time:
11h13
